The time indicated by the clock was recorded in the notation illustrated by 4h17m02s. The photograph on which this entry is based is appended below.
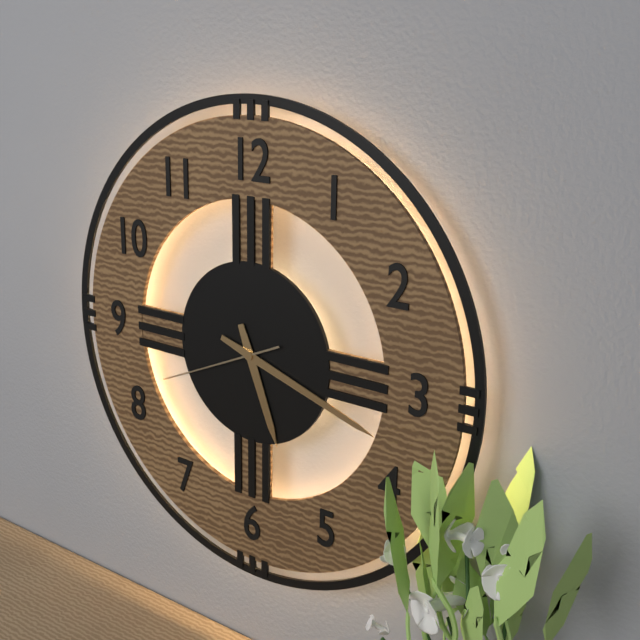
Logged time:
5h18m41s
